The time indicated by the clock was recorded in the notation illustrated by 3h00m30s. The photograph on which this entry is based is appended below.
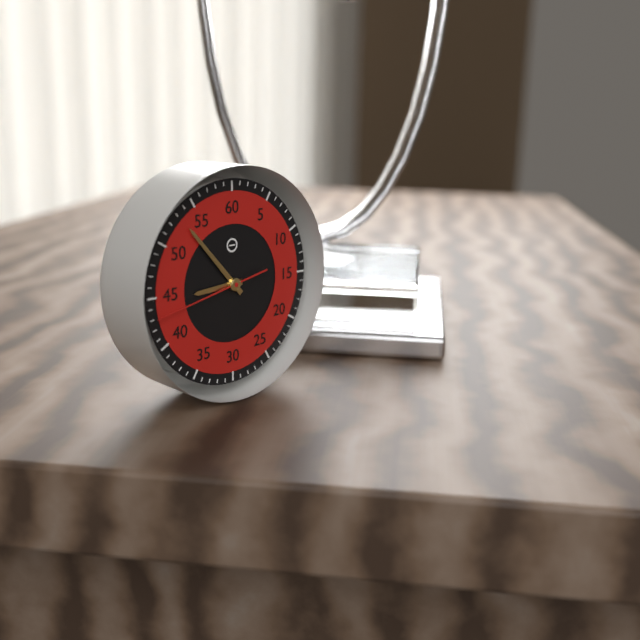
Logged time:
8h53m43s
